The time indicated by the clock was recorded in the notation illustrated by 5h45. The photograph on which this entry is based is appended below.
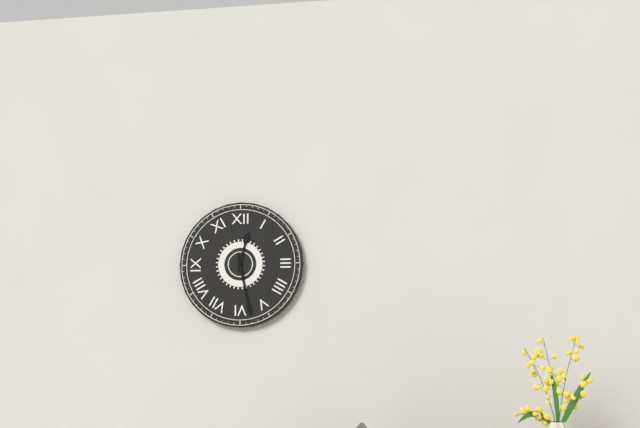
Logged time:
12h28
